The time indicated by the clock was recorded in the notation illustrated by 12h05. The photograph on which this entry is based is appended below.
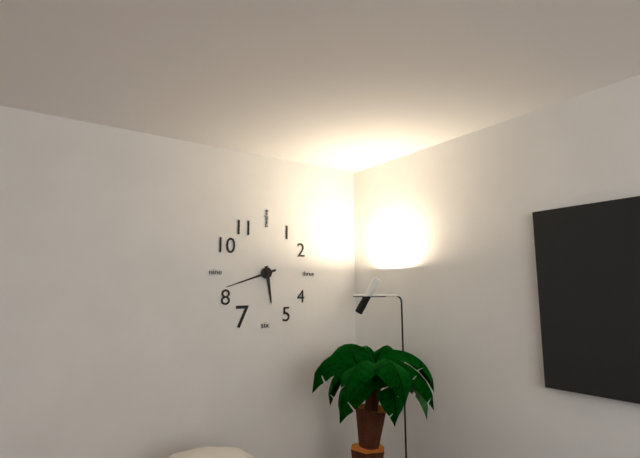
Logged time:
5h42
